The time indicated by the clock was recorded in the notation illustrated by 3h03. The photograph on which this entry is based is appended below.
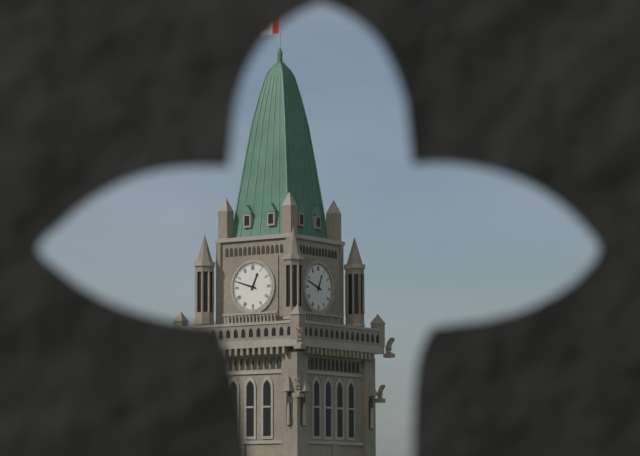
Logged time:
12h48
